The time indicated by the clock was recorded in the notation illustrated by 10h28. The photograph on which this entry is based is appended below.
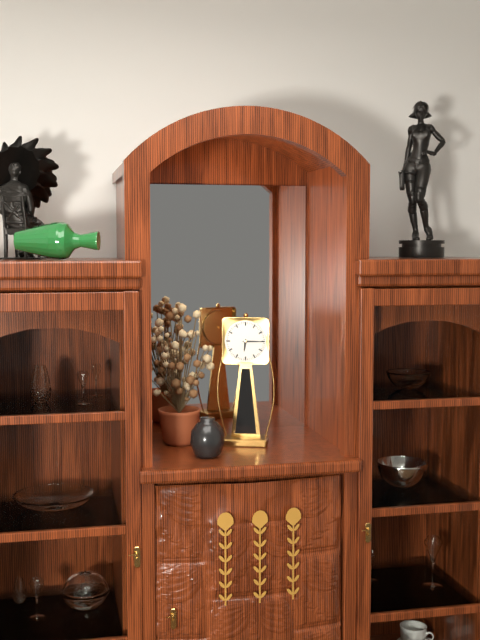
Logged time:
6h15
